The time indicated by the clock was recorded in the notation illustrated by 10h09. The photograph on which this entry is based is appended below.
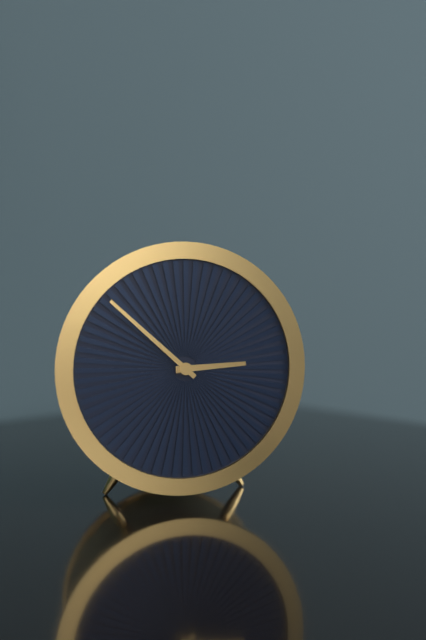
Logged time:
2h52
